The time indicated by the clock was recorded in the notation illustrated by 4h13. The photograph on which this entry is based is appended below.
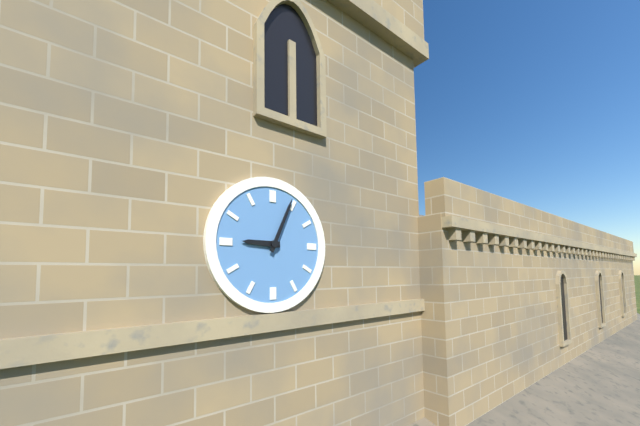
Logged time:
9h04
